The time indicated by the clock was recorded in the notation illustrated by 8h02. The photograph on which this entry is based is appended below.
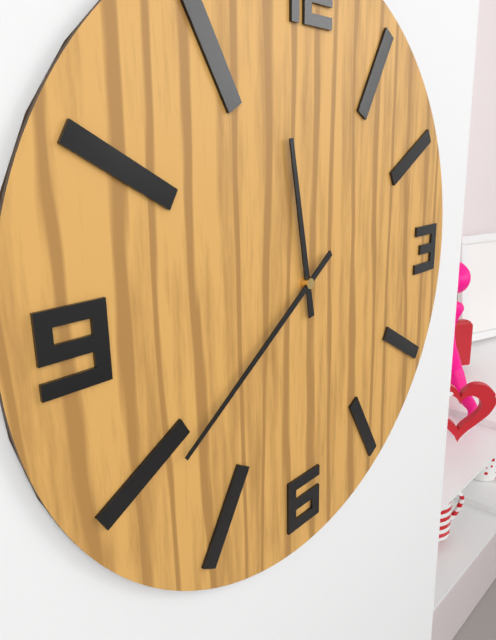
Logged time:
11h39
